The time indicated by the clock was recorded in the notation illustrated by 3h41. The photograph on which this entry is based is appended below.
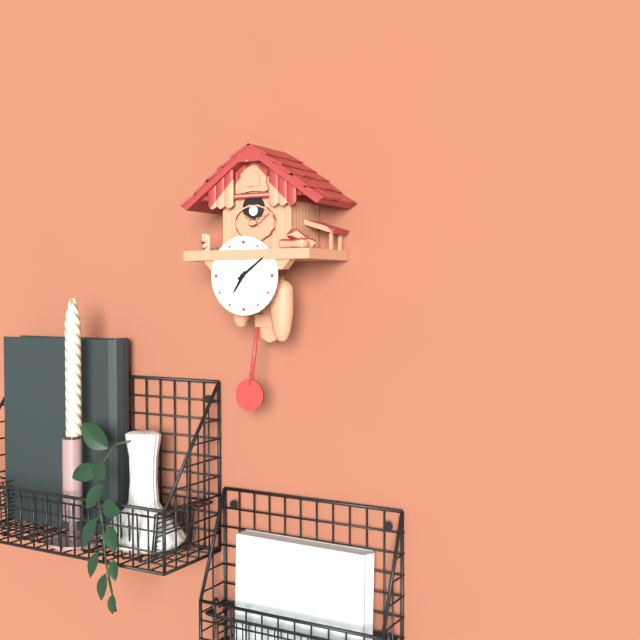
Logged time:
7h09
